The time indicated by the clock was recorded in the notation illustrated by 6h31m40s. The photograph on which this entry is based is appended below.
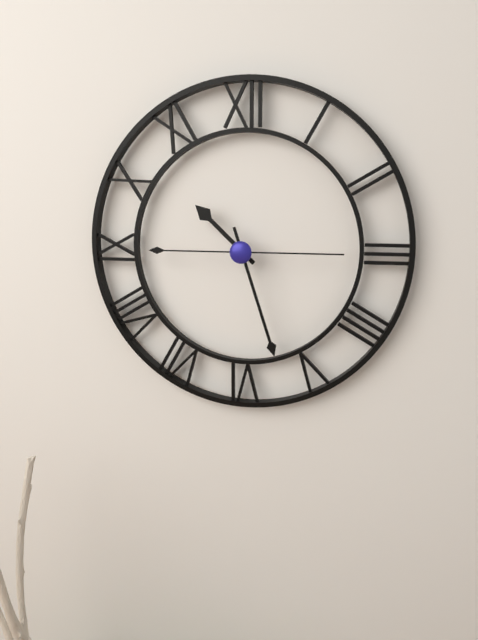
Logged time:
10h27m15s
